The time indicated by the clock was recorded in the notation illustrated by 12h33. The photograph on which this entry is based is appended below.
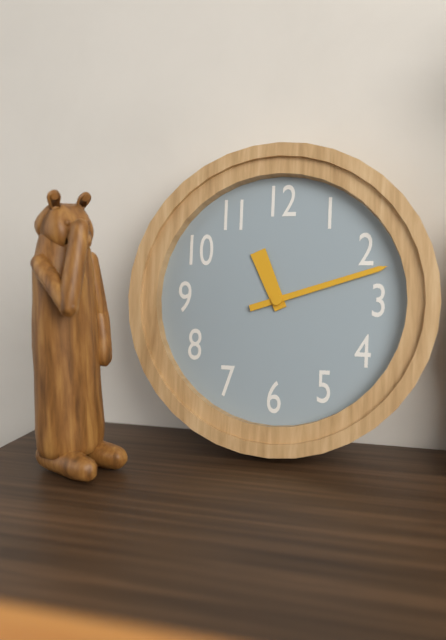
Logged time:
11h12
